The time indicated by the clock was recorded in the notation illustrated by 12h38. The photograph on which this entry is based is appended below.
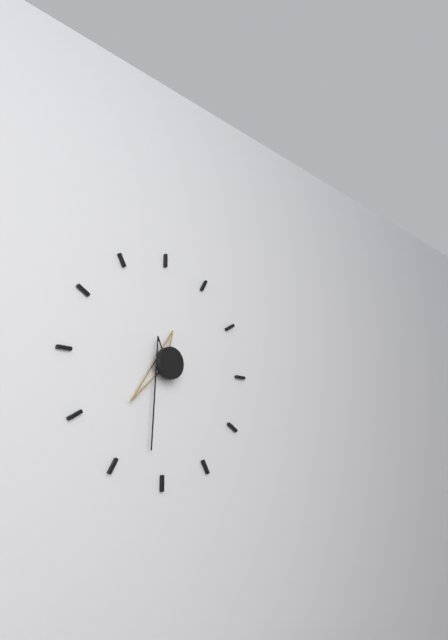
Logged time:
7h32
